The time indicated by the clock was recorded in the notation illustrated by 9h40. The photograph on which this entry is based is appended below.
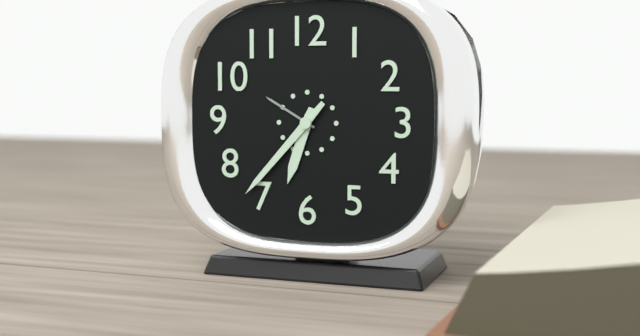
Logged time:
6h37
